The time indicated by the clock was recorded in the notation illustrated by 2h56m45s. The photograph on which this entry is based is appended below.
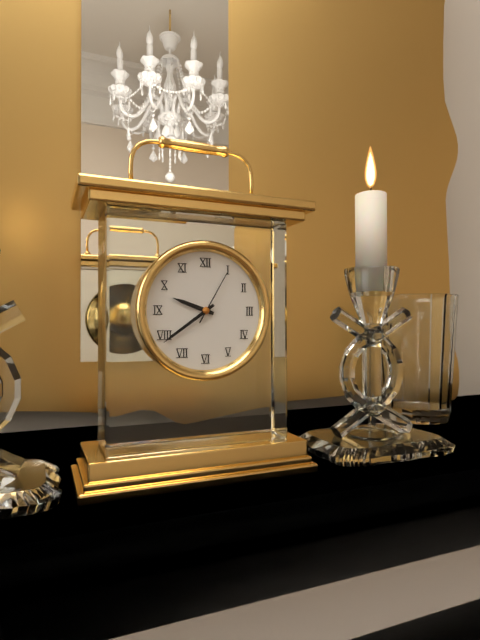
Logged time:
9h39m05s
